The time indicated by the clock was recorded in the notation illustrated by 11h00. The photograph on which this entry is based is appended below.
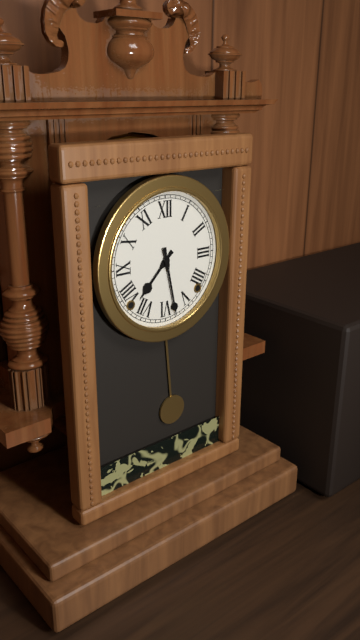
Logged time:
7h28
